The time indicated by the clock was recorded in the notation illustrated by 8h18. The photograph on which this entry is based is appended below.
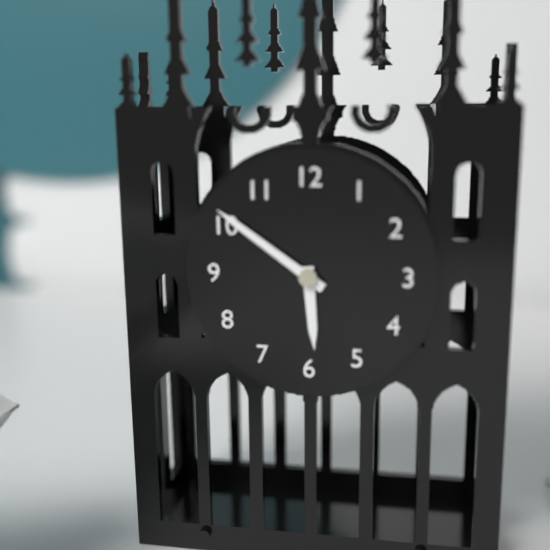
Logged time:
5h51
